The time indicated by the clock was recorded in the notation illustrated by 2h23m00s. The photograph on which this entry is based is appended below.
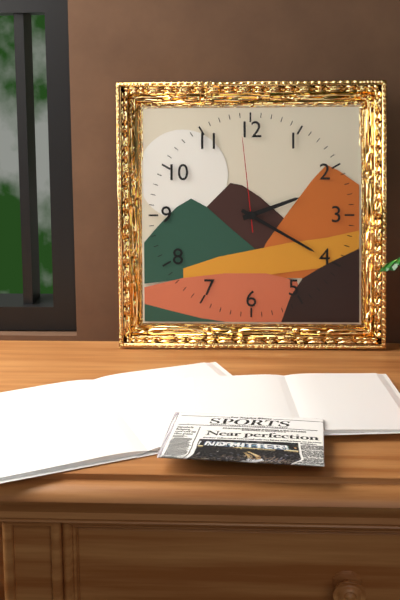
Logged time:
2h20m59s
